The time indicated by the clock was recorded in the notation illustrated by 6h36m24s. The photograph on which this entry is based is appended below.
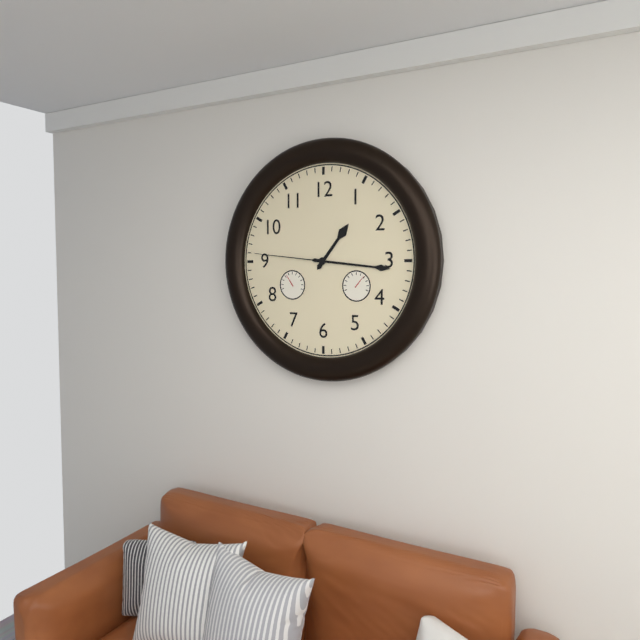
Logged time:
1h16m46s
